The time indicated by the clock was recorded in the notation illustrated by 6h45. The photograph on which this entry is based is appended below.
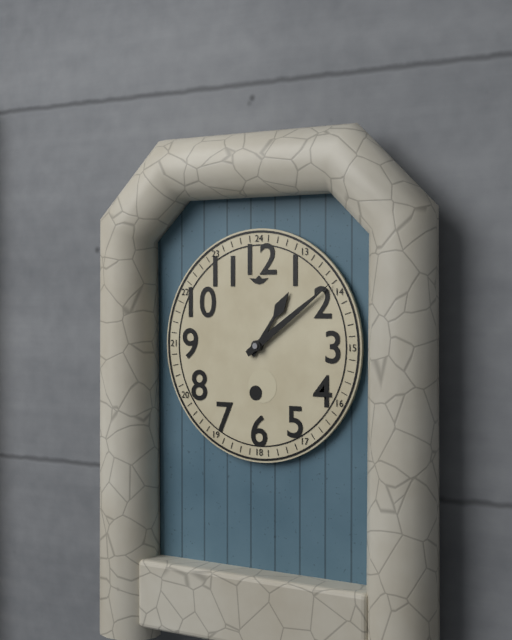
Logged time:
1h09
